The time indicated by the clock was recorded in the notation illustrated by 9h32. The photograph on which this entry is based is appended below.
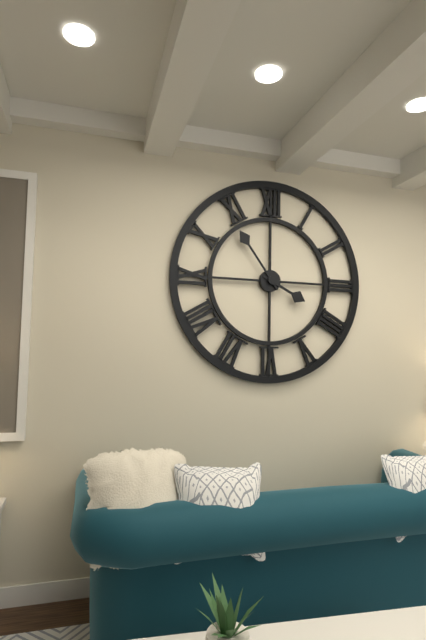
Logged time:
3h54
